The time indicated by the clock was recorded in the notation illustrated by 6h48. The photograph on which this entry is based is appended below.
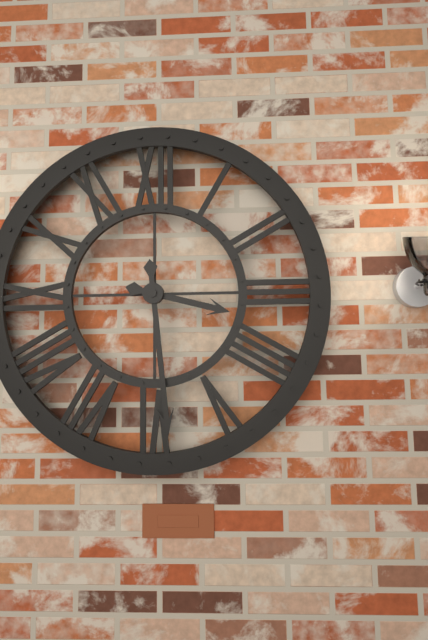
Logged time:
3h29
